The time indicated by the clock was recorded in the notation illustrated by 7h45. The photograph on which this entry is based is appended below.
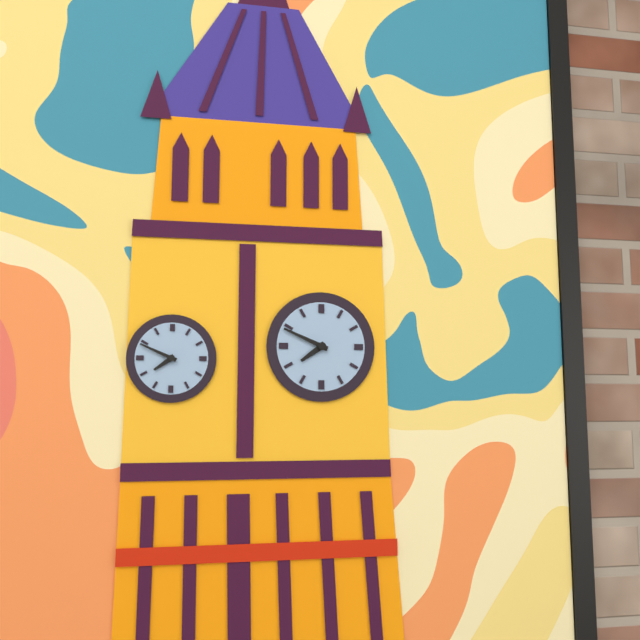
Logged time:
7h49
